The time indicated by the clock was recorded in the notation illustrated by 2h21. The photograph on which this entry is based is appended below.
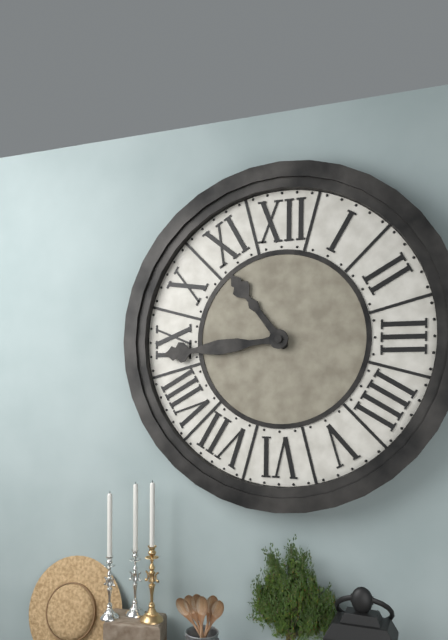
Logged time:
10h44
